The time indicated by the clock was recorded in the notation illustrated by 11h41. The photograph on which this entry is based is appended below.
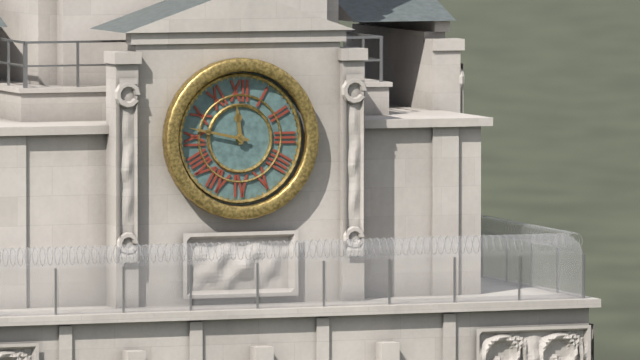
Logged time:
11h47
